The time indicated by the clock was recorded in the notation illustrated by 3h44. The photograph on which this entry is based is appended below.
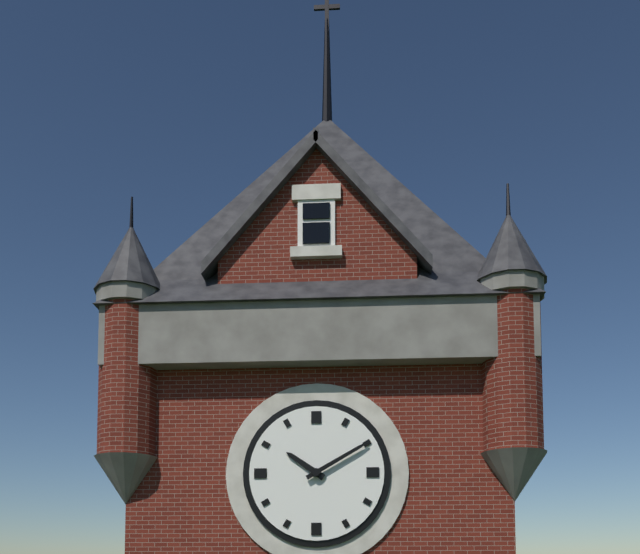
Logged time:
10h10
